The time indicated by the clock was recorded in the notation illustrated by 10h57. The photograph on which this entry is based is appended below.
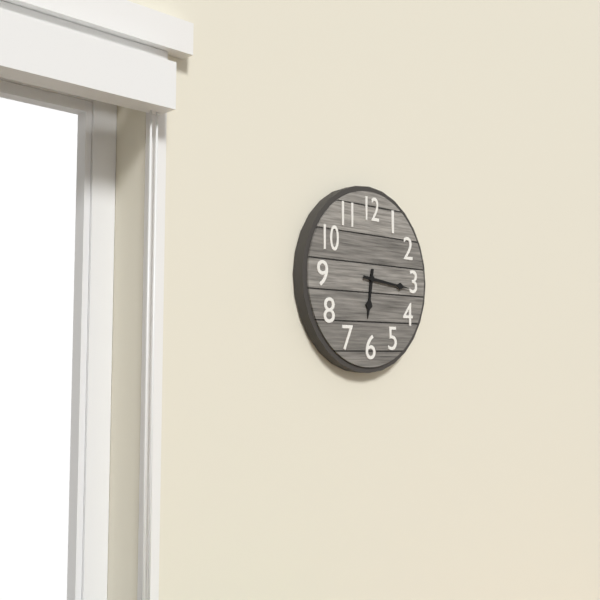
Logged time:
6h16
